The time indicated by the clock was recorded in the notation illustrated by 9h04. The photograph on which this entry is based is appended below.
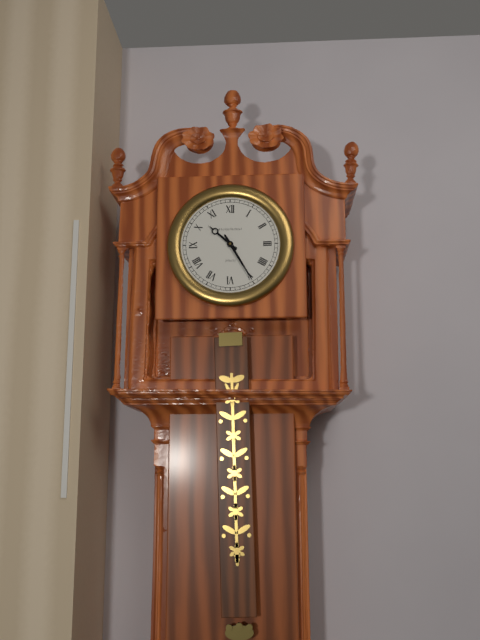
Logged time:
10h25
